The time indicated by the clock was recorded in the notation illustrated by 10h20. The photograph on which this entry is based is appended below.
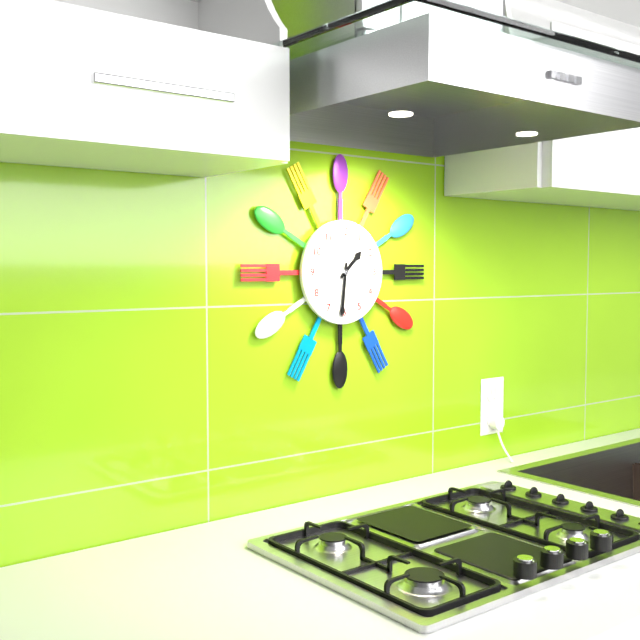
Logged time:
1h31
